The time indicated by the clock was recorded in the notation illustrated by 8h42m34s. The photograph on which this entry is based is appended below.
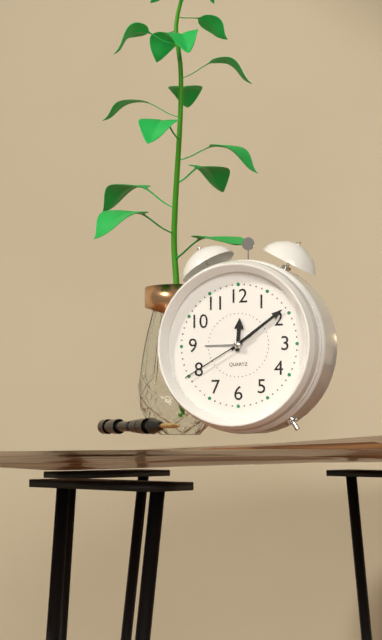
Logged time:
12h09m40s
